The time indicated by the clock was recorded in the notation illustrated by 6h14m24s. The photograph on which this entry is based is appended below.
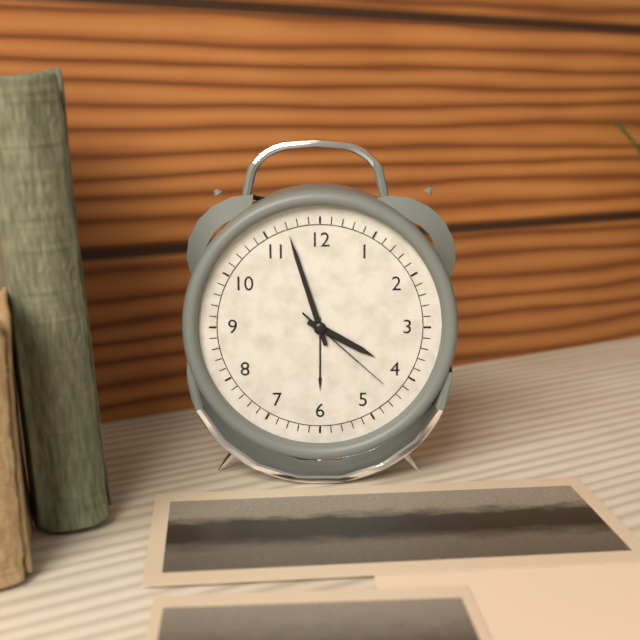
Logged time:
3h57m22s
